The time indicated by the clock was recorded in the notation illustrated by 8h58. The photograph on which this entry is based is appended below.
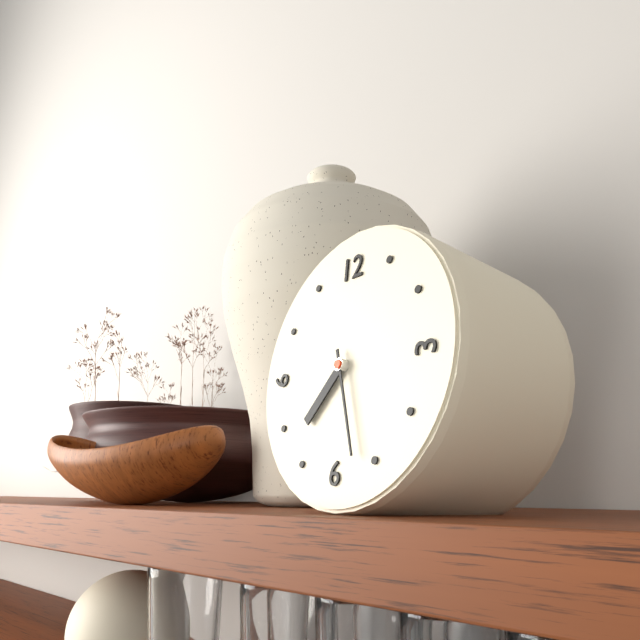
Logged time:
7h27
